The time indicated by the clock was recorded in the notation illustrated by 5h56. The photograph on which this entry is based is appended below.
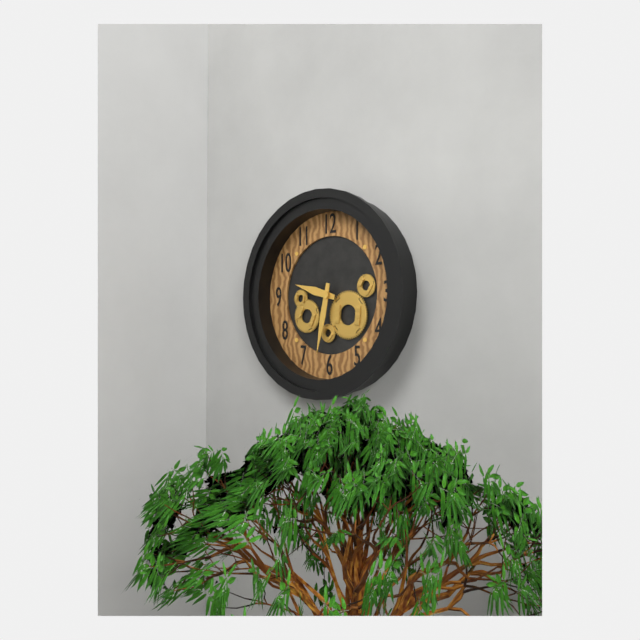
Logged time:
9h32
